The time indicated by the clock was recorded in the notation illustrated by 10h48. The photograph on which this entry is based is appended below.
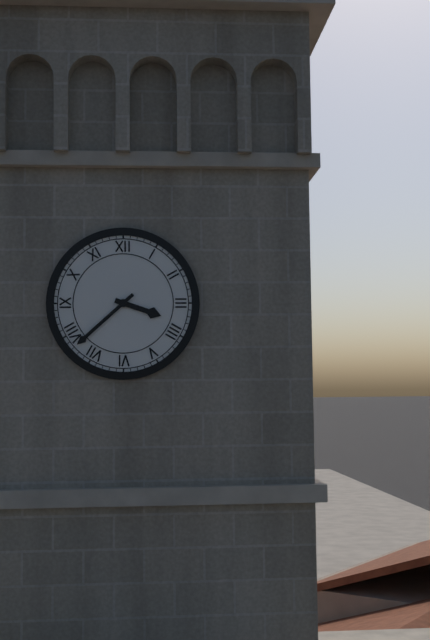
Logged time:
3h38
